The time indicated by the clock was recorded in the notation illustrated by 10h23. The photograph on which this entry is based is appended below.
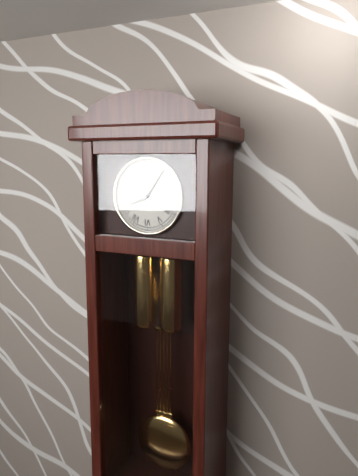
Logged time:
8h06
